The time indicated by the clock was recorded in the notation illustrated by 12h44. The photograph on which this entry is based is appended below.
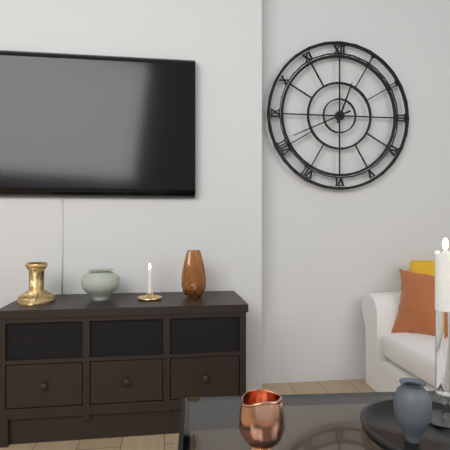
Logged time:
12h41
